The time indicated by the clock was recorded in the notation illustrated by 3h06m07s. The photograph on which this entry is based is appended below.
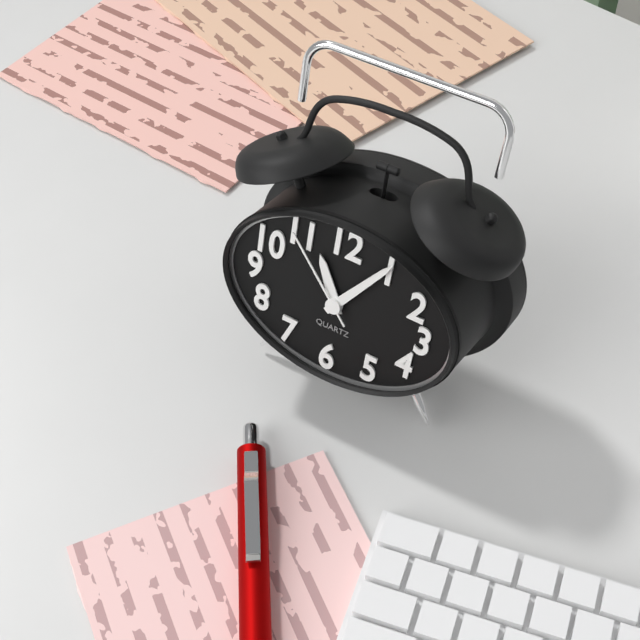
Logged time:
11h06m53s
